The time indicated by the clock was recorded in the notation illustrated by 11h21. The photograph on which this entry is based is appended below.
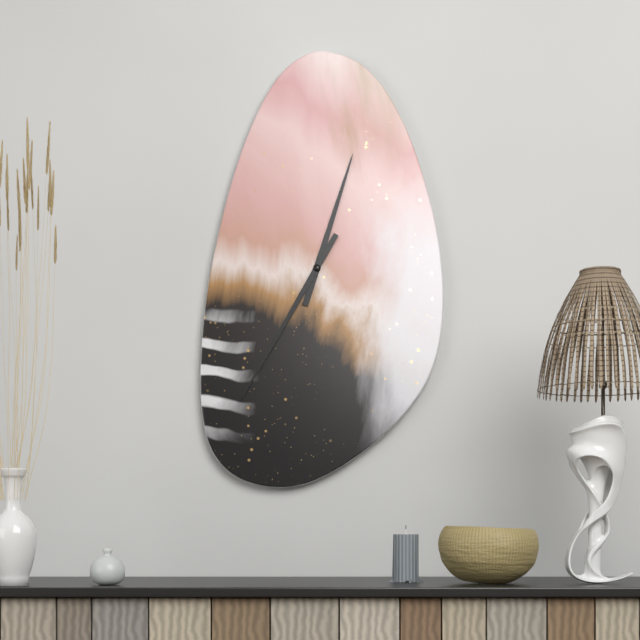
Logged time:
12h35
